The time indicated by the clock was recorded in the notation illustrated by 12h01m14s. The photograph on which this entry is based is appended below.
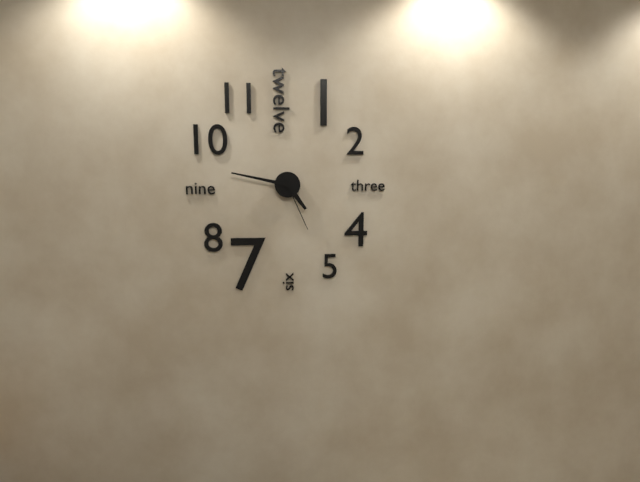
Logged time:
4h47m26s
